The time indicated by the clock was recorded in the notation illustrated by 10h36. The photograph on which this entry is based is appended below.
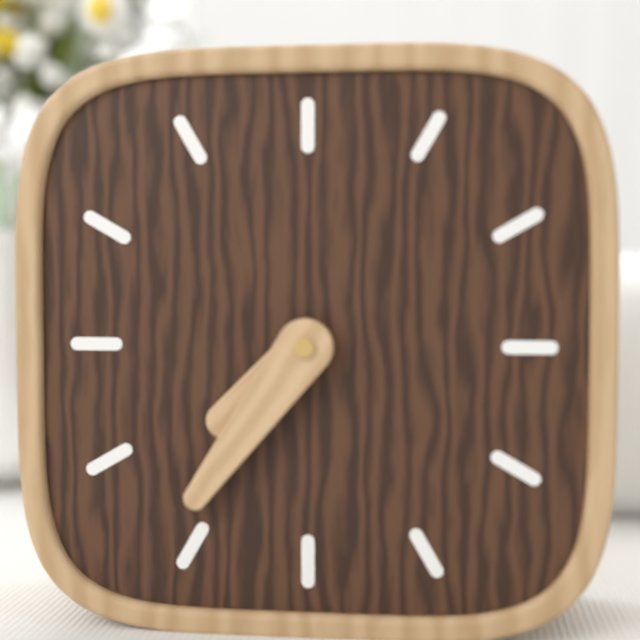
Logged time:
7h36
